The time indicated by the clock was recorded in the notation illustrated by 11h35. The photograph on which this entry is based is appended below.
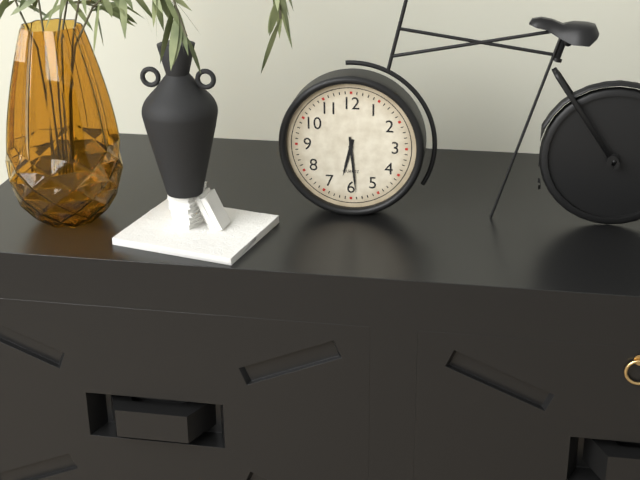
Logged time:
6h29
